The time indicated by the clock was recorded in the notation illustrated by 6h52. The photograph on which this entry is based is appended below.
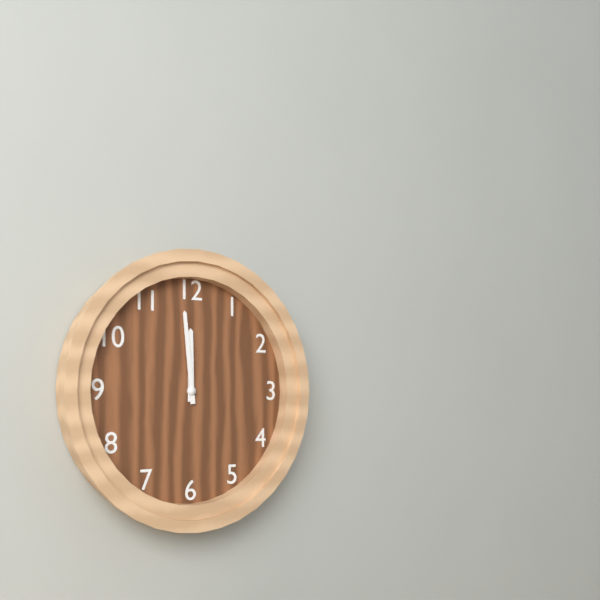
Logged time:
11h59
